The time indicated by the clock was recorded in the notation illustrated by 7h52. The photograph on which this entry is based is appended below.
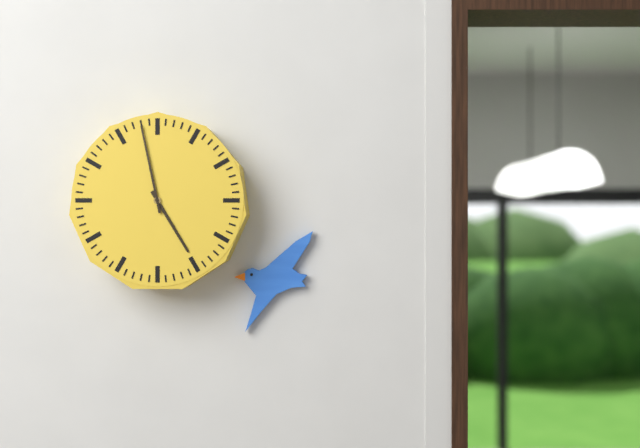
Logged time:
4h58
